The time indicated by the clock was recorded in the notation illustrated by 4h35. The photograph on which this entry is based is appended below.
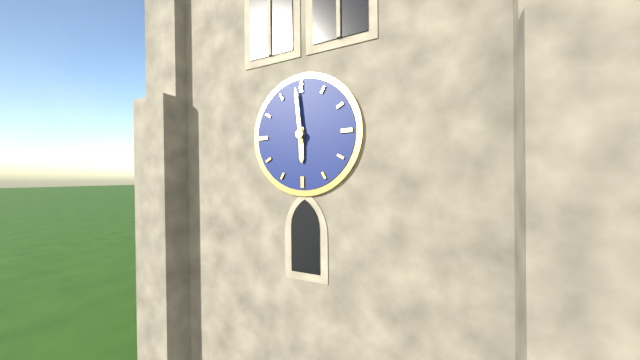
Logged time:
5h59
